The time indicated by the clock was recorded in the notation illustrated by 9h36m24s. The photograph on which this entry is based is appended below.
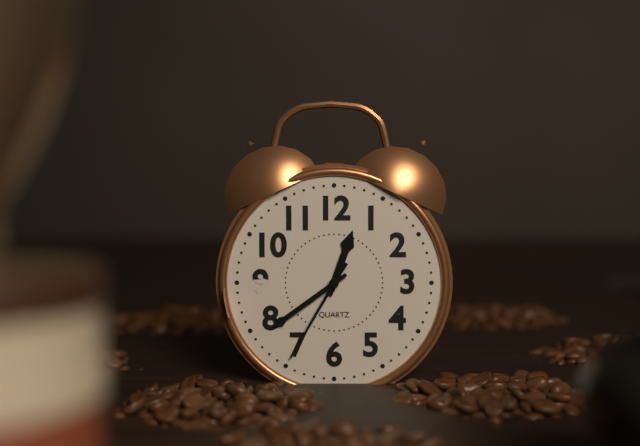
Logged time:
12h39m35s
